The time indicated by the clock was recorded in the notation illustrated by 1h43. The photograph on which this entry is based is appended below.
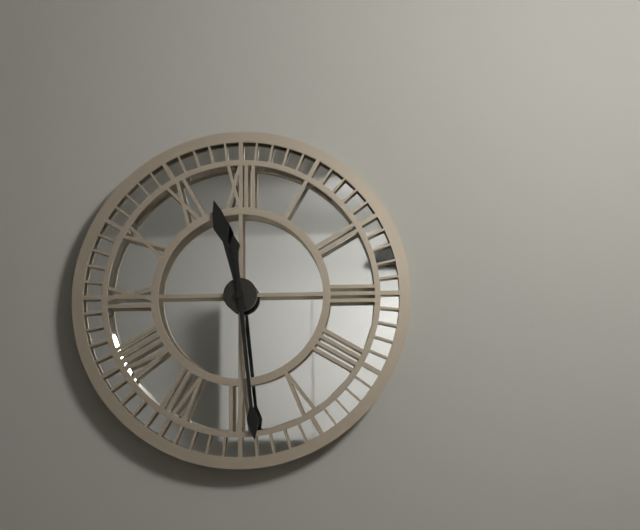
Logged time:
11h29
